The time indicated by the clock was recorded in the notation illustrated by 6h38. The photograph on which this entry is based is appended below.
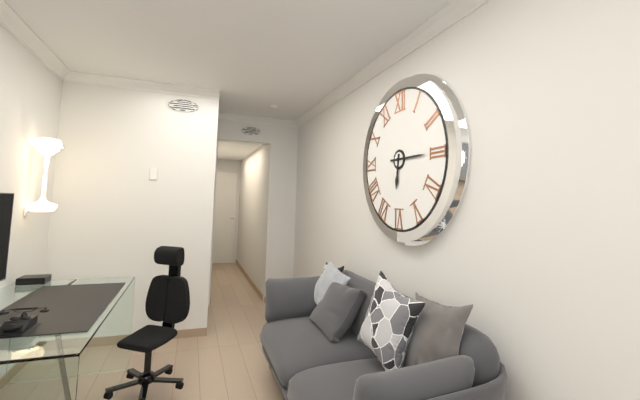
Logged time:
6h15
